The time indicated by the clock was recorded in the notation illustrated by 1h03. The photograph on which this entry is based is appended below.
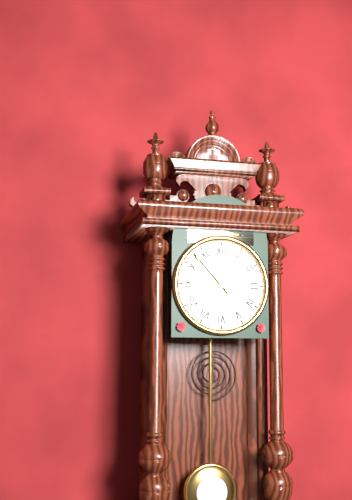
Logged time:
1h53
